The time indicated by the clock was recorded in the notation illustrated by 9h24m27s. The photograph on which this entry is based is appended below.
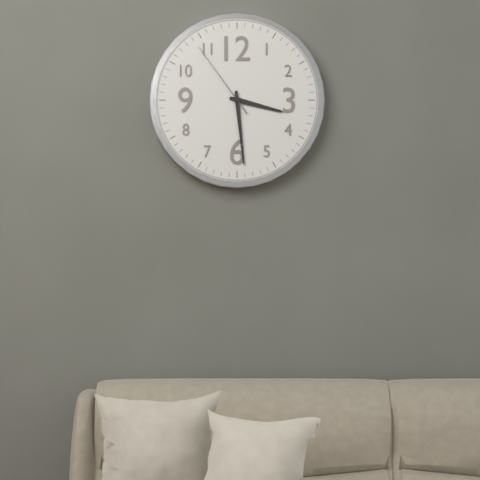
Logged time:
3h29m54s
